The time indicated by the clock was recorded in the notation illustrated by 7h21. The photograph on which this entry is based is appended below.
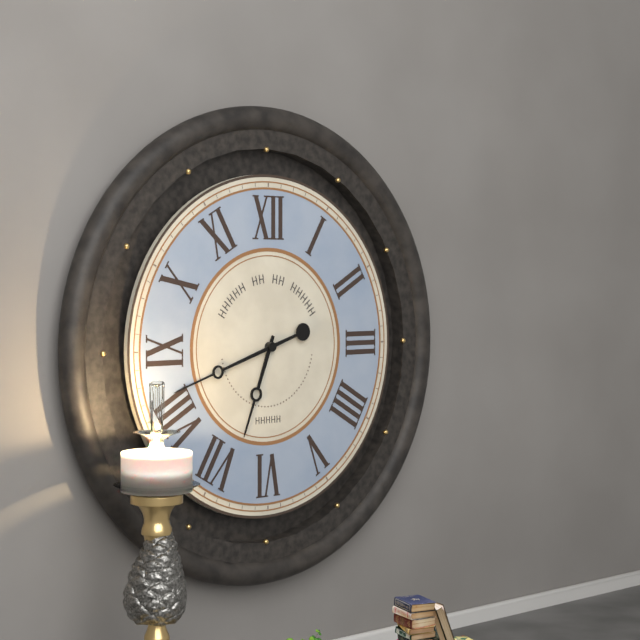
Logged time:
6h42
